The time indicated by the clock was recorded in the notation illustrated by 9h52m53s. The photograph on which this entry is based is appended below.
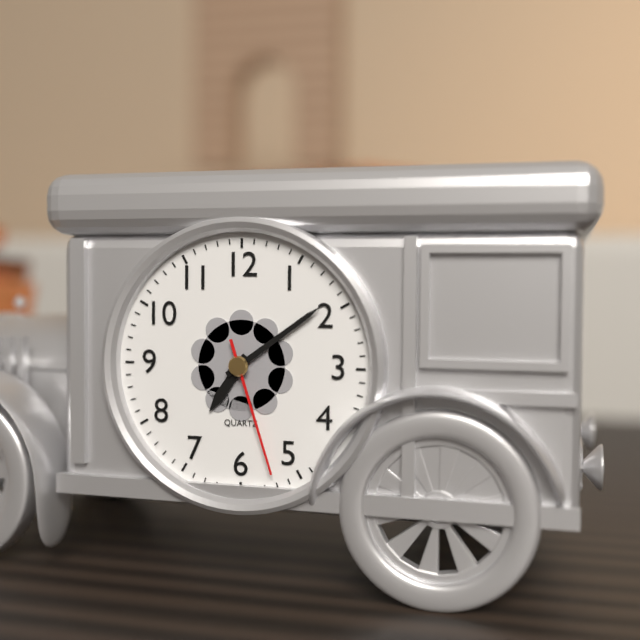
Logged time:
7h09m27s
